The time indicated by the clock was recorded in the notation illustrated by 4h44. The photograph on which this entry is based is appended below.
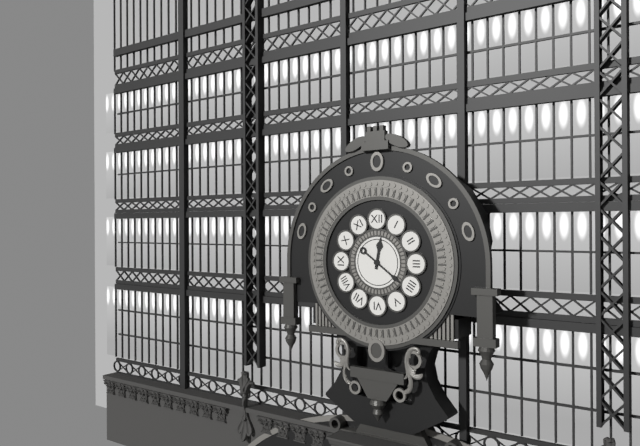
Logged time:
12h21
